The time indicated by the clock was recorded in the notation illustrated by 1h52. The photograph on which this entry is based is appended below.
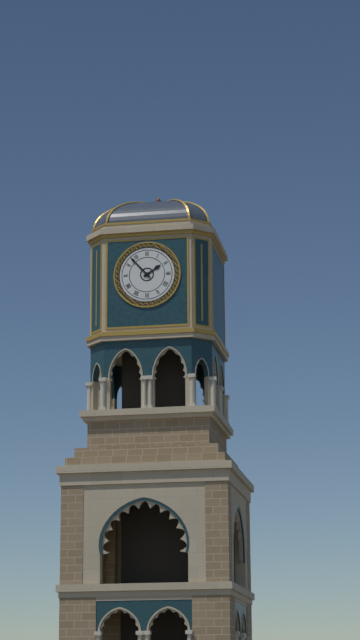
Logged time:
1h53
